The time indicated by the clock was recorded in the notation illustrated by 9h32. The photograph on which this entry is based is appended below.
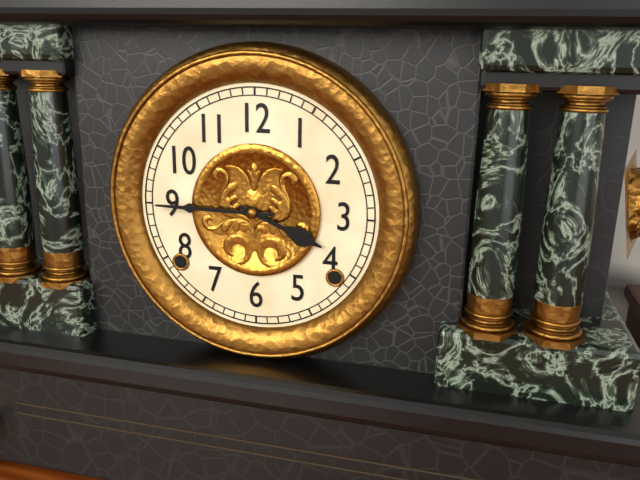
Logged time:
3h45
